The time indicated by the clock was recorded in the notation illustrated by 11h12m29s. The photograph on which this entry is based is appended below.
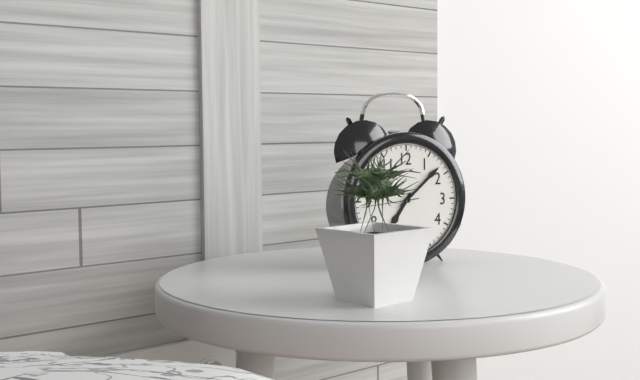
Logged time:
7h08m44s
